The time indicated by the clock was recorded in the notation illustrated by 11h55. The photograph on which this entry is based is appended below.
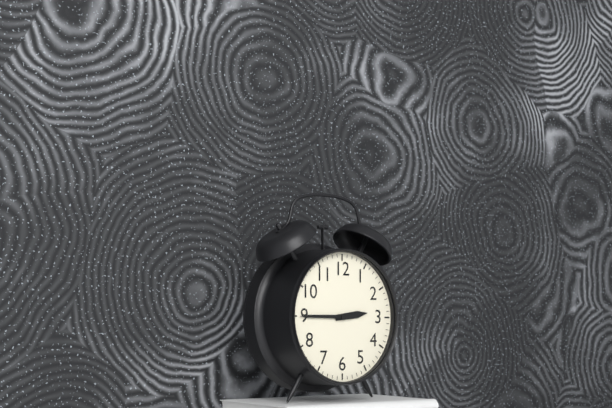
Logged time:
2h45
